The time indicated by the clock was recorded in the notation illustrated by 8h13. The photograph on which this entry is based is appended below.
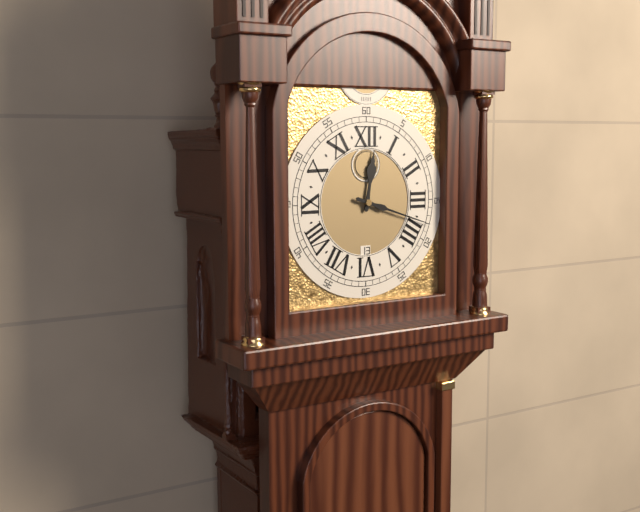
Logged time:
12h18
